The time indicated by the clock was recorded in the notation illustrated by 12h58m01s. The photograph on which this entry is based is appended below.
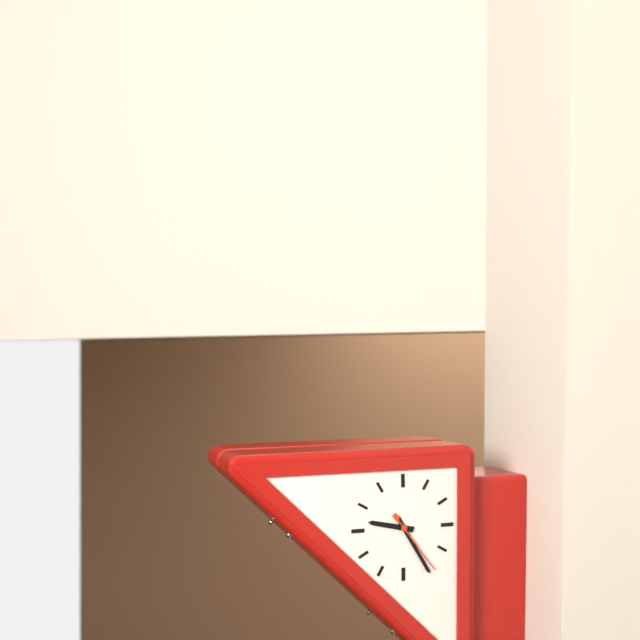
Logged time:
9h25m24s
